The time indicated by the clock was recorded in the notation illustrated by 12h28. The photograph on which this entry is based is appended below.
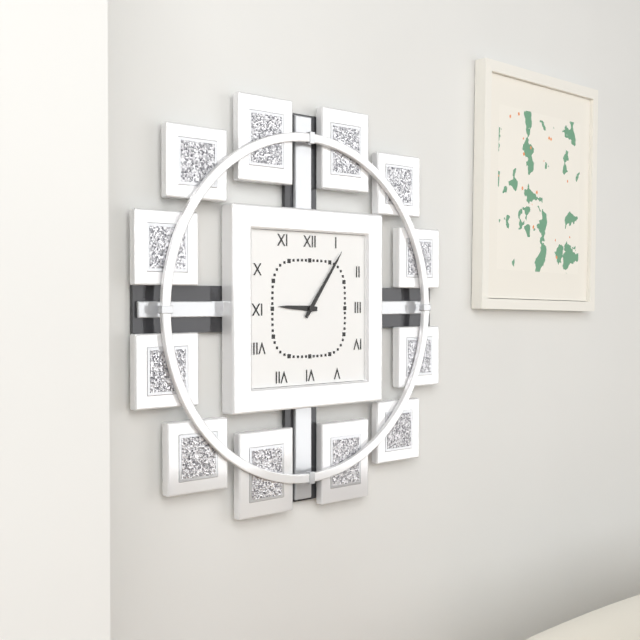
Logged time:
9h06
